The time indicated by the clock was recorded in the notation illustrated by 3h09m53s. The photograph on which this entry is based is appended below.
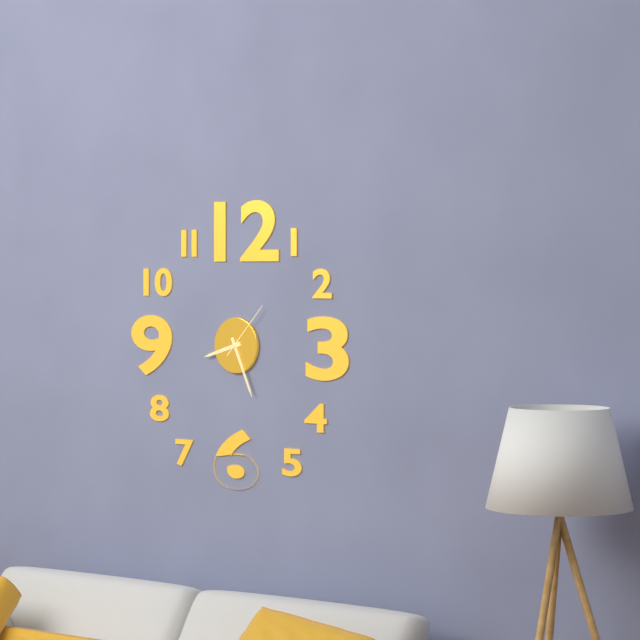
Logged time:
8h26m07s
